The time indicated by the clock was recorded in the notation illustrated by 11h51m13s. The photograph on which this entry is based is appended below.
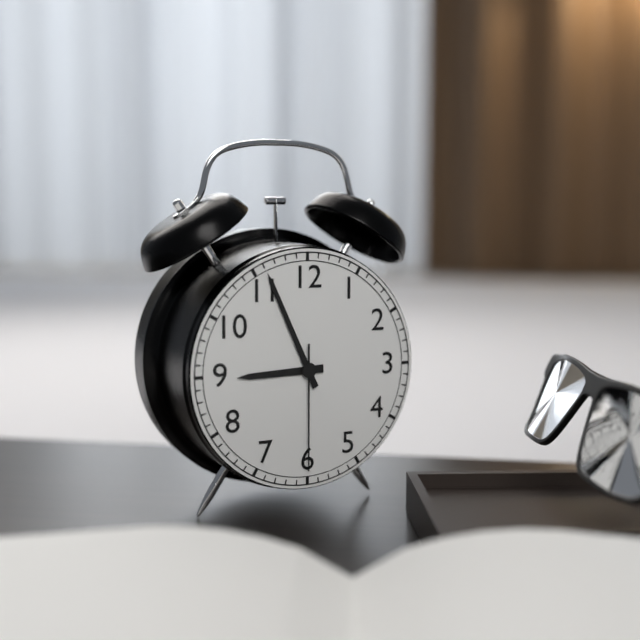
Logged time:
8h56m30s
